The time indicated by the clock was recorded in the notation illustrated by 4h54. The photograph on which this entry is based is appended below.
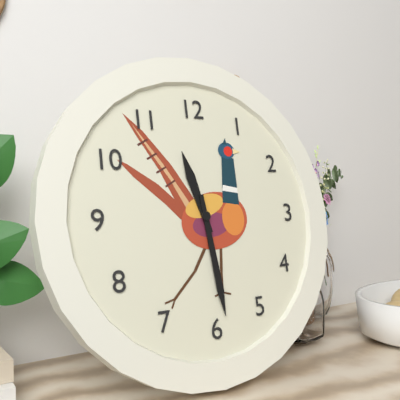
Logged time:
11h29
